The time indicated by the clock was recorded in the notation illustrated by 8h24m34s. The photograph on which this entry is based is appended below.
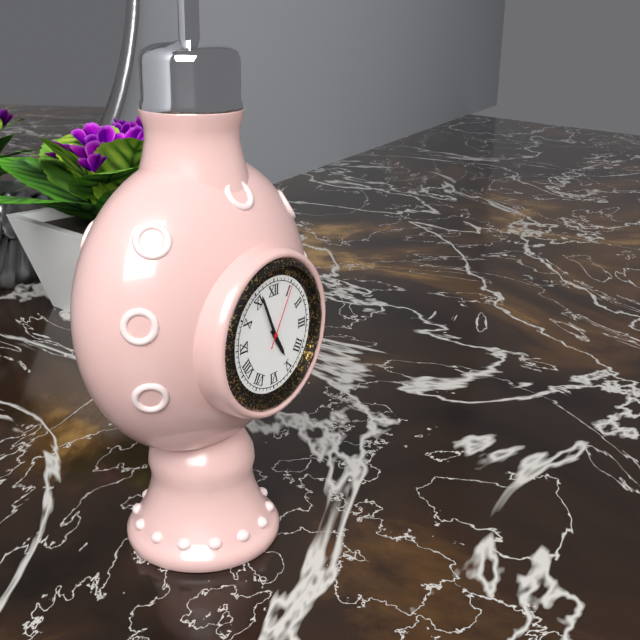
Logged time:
4h56m05s
